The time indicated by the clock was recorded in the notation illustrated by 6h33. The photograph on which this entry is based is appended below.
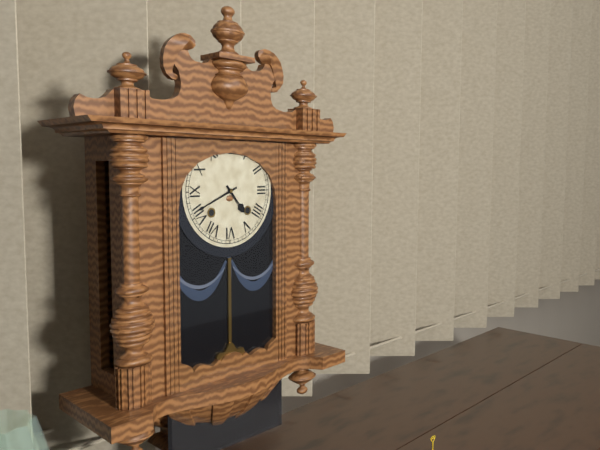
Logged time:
4h41
